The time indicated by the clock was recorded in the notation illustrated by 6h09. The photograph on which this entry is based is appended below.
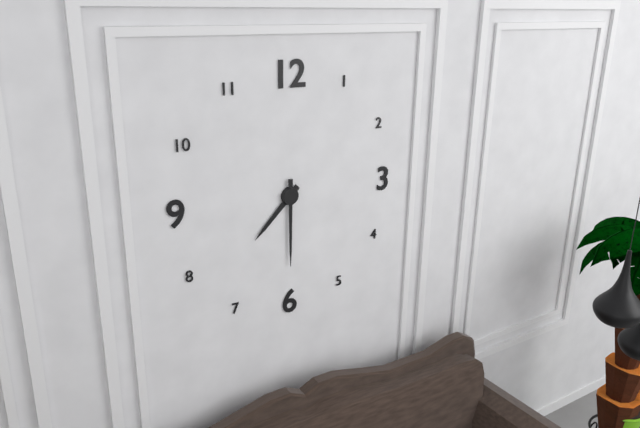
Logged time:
7h30
